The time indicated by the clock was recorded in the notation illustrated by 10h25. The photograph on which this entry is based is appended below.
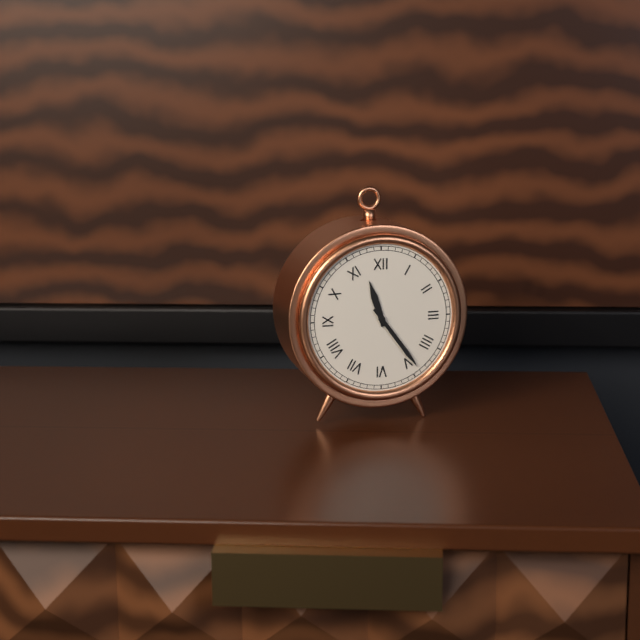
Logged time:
11h24
